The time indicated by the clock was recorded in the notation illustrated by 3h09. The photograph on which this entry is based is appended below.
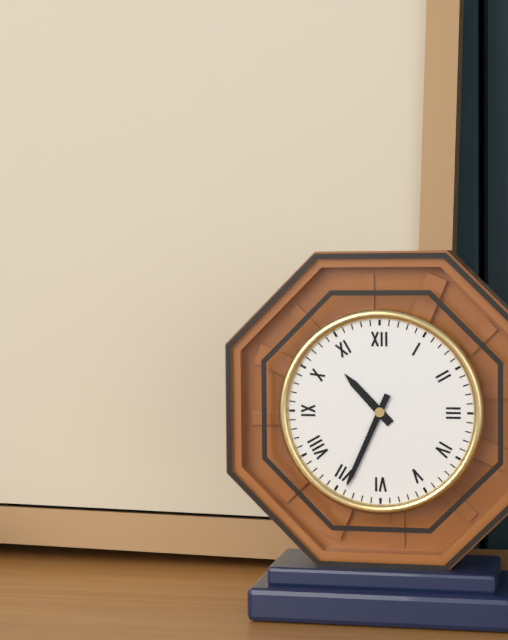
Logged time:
10h34
